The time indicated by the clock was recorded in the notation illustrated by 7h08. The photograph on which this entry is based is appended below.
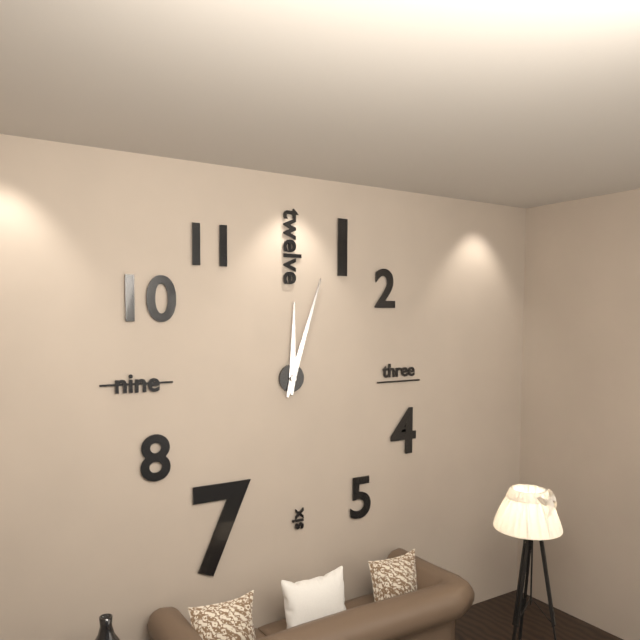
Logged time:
12h03
